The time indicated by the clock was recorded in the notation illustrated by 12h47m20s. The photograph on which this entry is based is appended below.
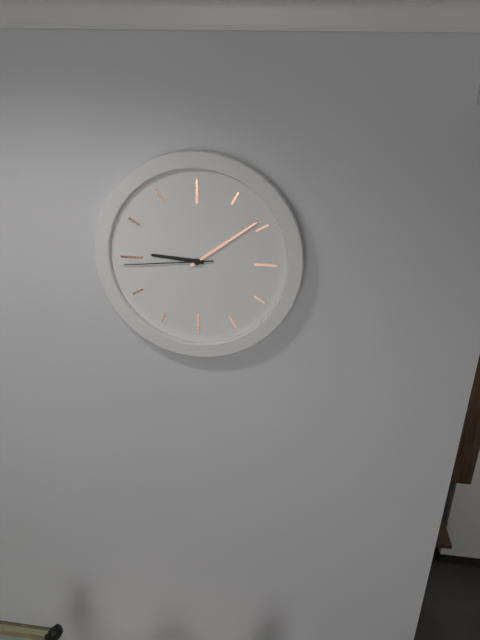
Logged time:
9h09m44s
